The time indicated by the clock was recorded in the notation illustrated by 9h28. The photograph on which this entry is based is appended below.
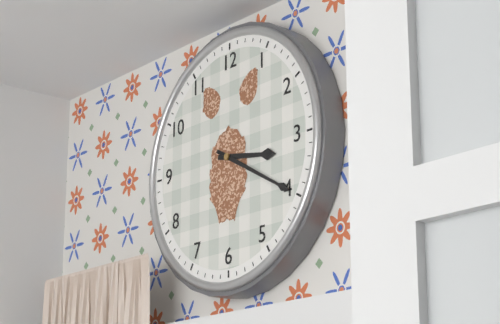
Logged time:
3h20
